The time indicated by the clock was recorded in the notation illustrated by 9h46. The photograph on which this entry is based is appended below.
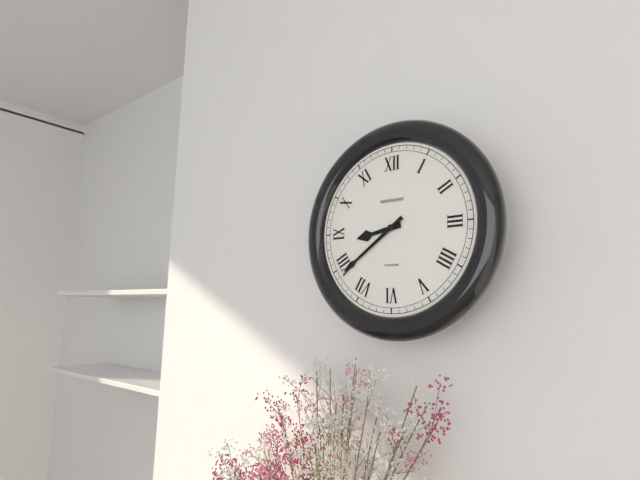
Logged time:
8h39
